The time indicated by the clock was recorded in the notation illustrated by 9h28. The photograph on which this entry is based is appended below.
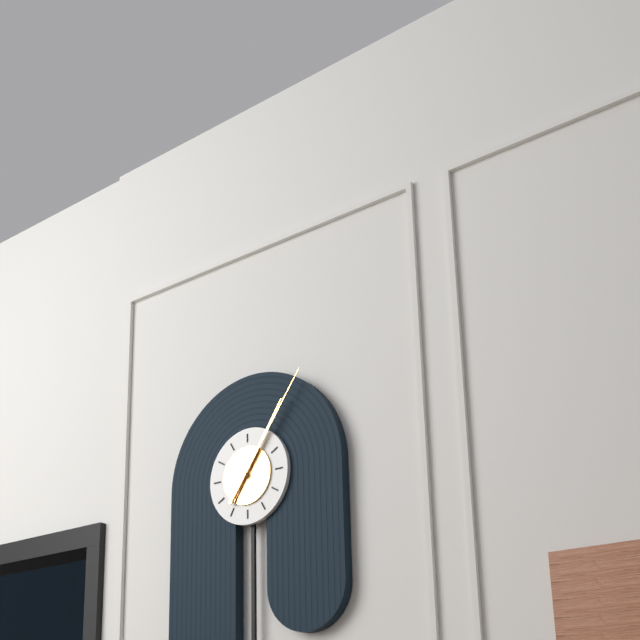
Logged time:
1h06
